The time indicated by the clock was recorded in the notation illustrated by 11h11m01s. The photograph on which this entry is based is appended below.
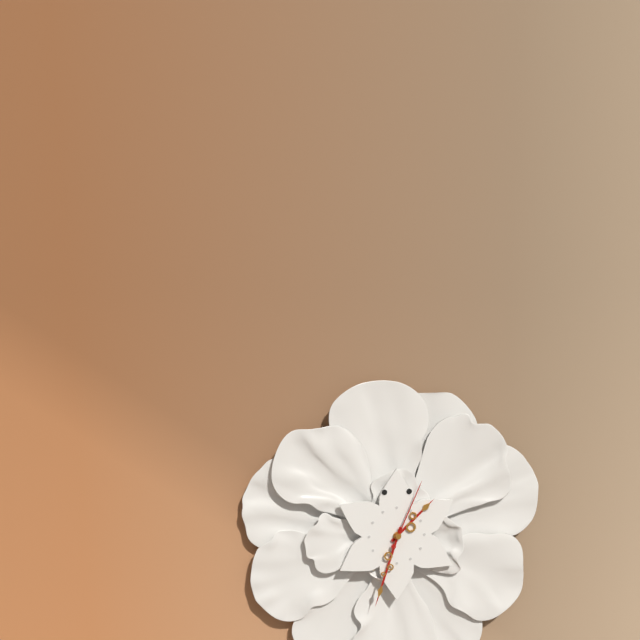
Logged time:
1h33m04s
